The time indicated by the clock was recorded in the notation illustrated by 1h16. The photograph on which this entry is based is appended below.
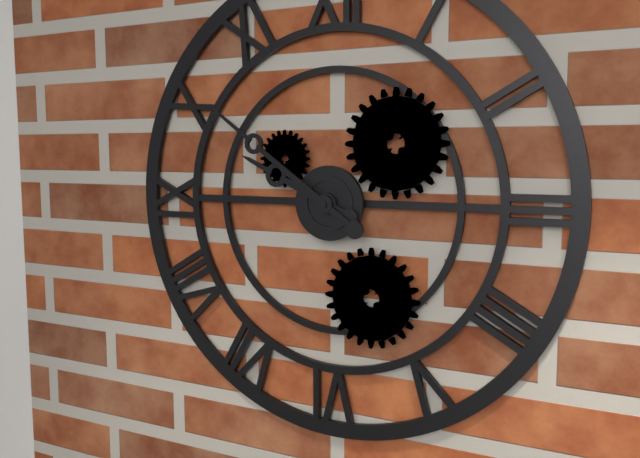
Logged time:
9h51
